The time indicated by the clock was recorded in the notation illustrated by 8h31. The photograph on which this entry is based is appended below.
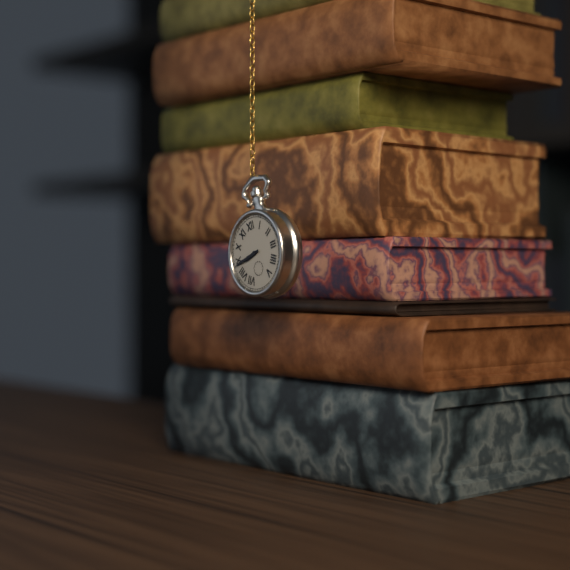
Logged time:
8h44
